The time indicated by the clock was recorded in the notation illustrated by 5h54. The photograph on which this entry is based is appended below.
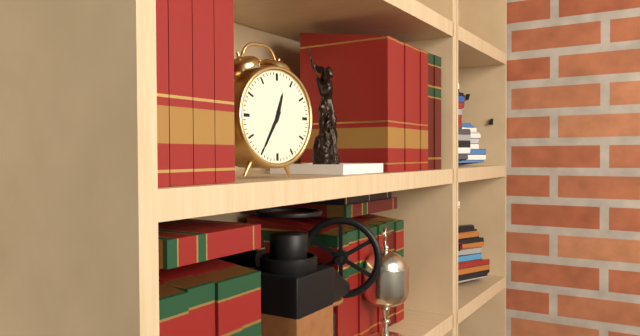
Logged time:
12h35
